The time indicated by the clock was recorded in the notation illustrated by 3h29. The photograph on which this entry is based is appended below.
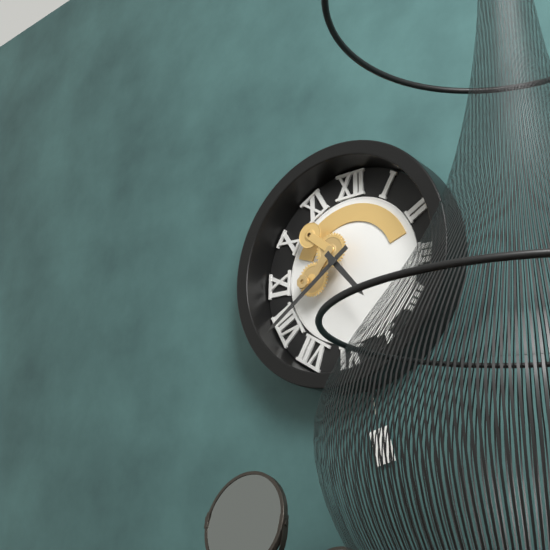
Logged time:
4h39
